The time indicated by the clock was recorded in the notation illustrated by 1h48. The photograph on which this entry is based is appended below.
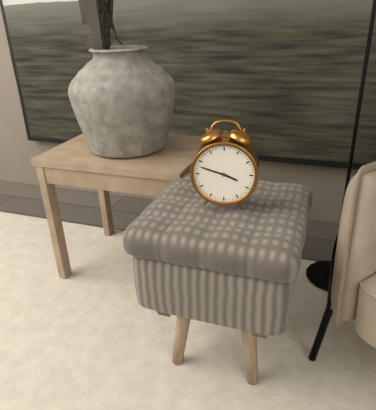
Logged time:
3h48
